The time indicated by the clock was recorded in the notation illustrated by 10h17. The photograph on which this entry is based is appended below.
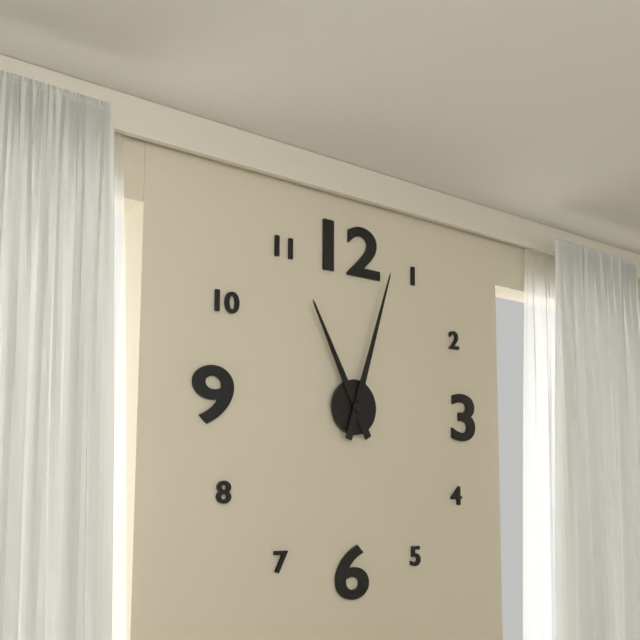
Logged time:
11h03
